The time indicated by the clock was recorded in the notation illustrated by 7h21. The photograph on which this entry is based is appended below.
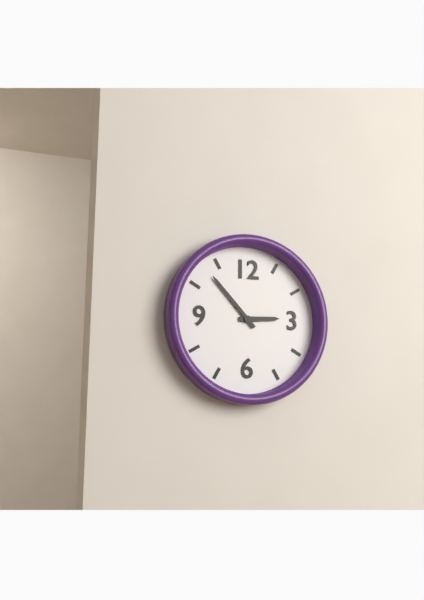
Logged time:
2h53
